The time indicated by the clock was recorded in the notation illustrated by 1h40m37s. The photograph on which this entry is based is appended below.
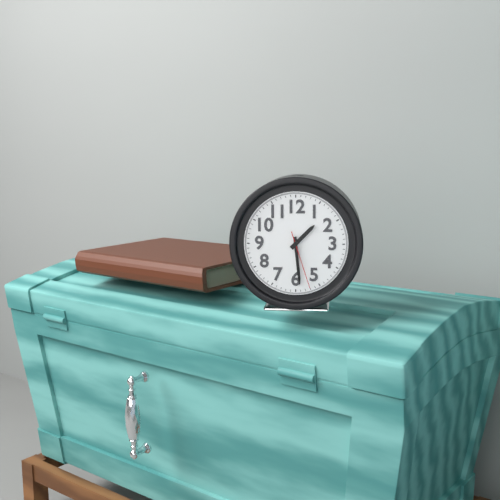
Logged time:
1h29m27s
